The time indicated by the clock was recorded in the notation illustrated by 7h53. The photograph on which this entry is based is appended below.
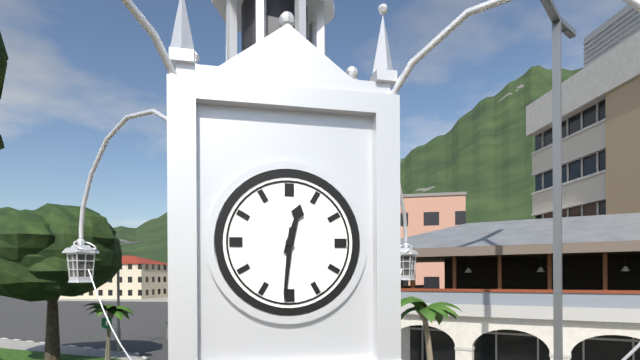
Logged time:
12h31
